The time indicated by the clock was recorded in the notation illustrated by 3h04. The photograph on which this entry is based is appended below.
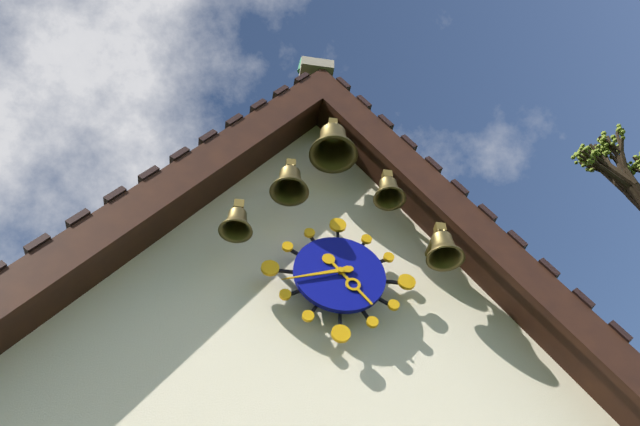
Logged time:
4h42
